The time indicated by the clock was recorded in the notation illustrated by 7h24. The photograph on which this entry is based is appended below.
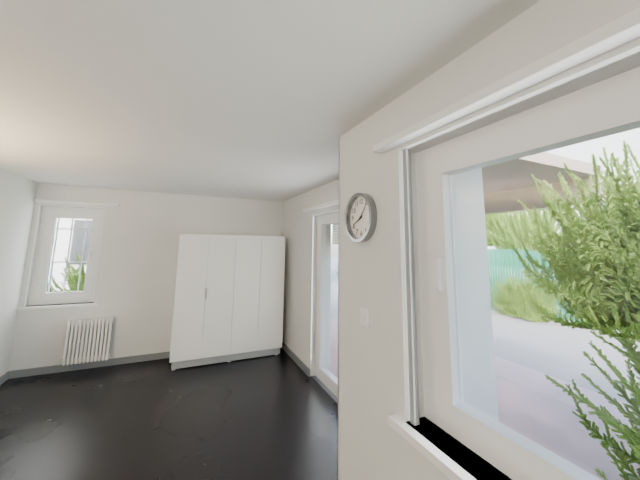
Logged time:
8h07
